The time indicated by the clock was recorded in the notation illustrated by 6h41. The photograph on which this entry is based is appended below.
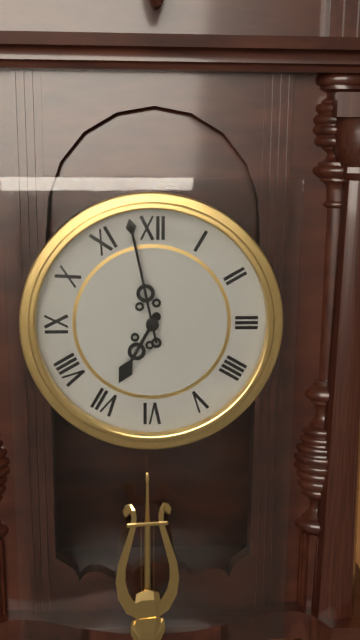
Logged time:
6h58
